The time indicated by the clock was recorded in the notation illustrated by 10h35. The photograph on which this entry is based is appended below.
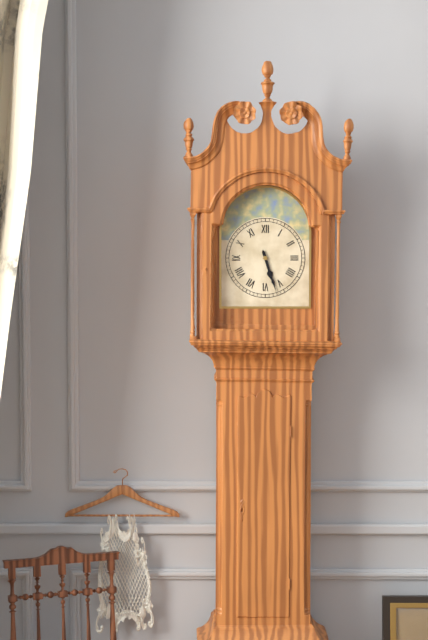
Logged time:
5h27
